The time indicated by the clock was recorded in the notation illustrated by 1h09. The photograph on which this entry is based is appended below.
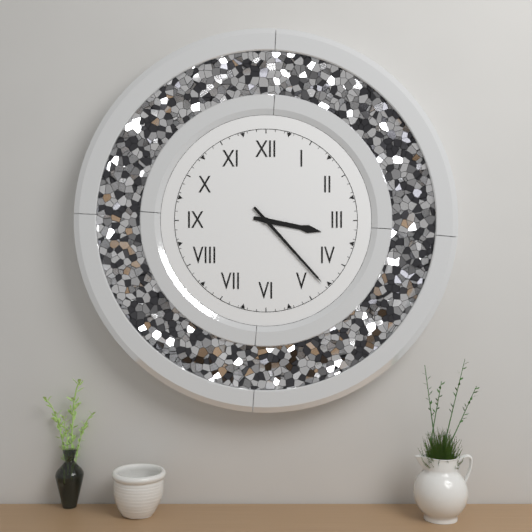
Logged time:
3h23
